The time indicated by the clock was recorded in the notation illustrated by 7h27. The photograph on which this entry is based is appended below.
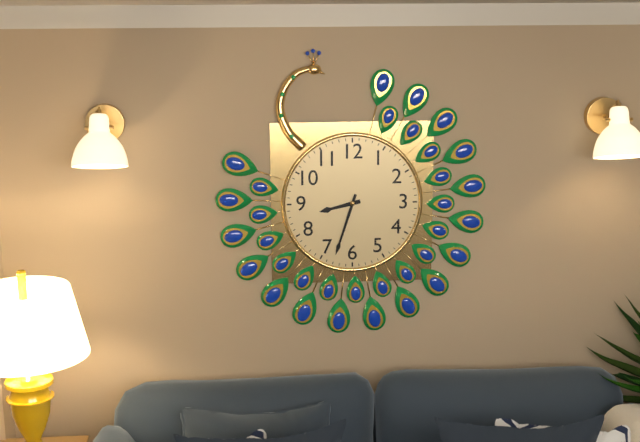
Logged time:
8h33
